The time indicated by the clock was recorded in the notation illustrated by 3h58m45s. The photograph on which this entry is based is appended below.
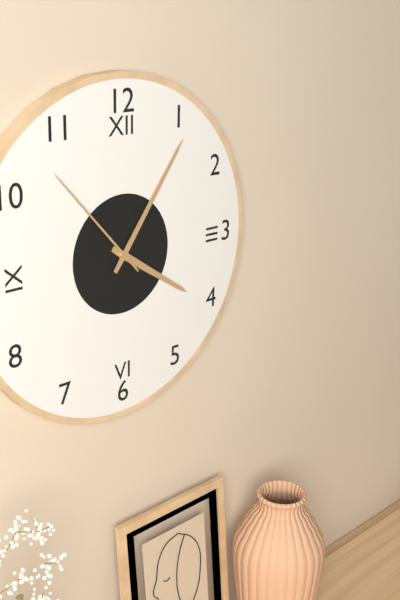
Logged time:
4h06m53s
